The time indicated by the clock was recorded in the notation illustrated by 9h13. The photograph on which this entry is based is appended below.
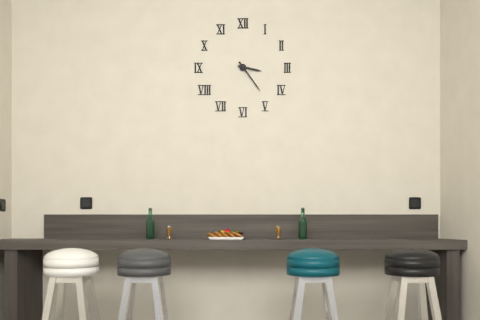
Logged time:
3h24
